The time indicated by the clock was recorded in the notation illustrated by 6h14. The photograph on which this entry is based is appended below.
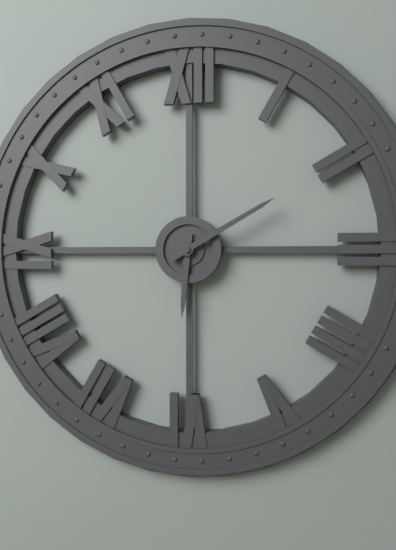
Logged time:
6h10
